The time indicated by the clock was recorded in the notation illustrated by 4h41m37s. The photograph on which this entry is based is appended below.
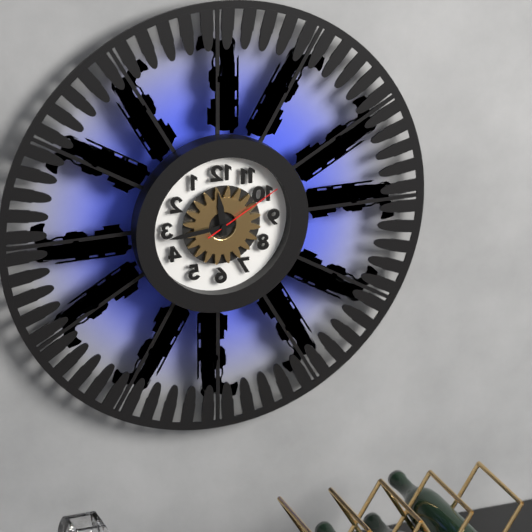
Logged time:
11h44m10s
